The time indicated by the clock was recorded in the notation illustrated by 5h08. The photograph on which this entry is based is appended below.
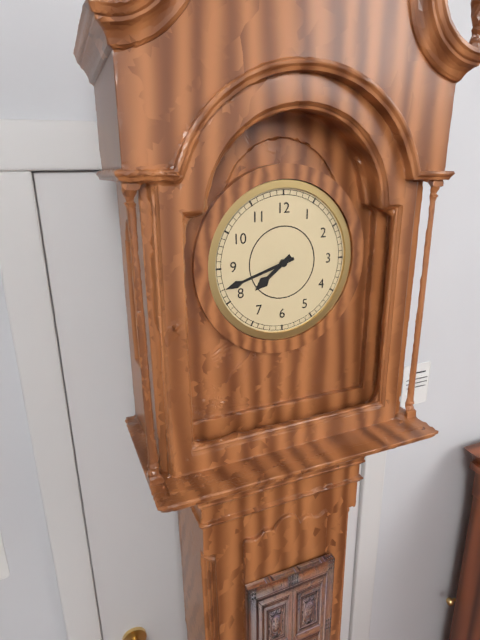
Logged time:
7h42
